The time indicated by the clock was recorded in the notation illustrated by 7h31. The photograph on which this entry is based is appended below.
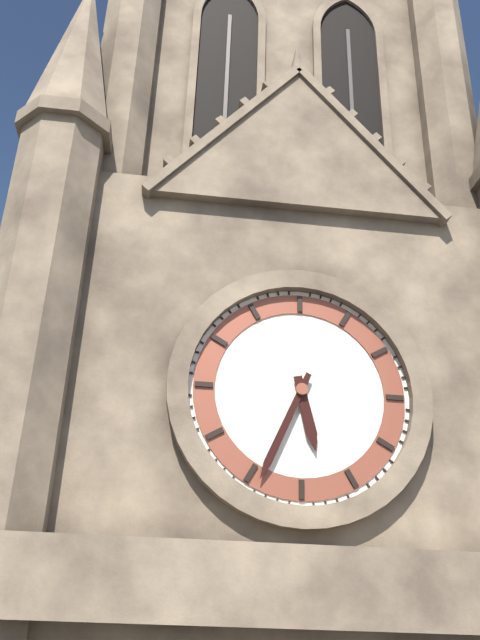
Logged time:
5h34
